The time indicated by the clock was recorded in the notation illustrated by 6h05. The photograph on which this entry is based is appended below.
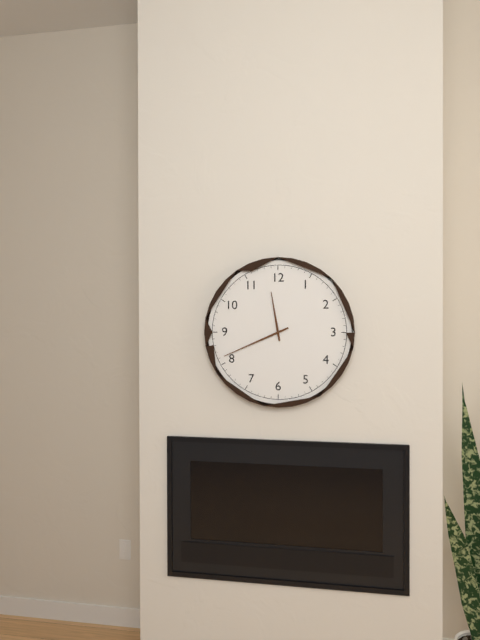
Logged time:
11h41
